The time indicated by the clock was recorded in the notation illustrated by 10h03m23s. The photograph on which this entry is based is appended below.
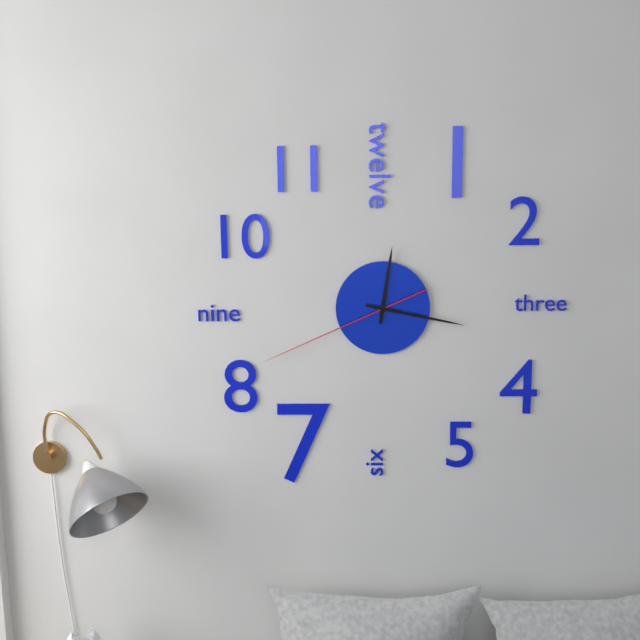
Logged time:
12h17m41s
